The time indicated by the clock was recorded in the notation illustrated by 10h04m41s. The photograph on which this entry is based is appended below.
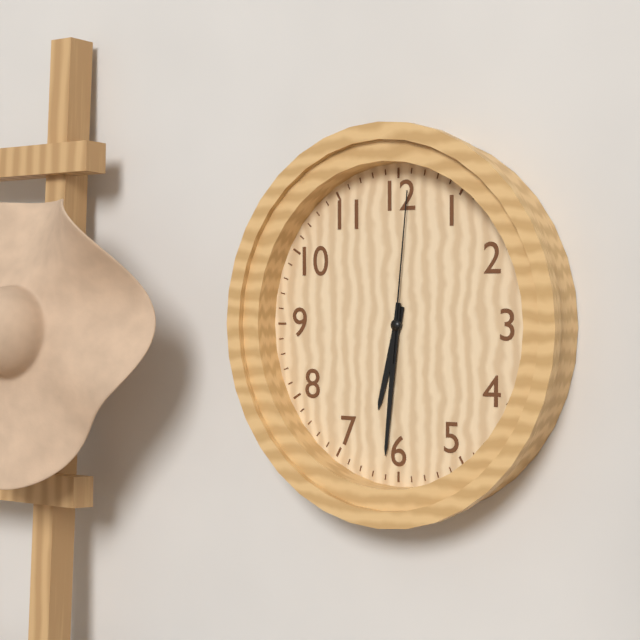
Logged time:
6h31m01s
